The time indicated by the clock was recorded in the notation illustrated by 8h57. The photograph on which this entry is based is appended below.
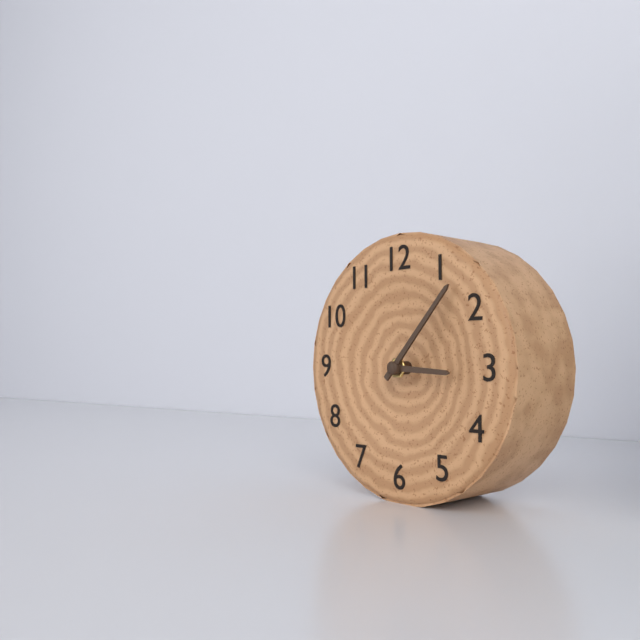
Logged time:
3h07
